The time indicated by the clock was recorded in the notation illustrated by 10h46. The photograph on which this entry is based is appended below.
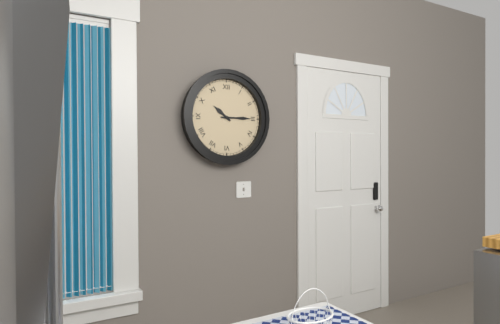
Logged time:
10h15
